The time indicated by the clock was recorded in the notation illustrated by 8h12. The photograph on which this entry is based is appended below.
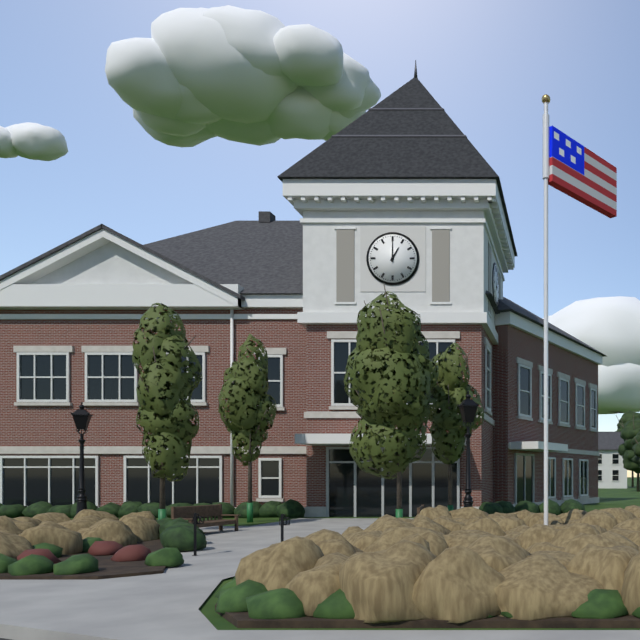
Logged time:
1h00
